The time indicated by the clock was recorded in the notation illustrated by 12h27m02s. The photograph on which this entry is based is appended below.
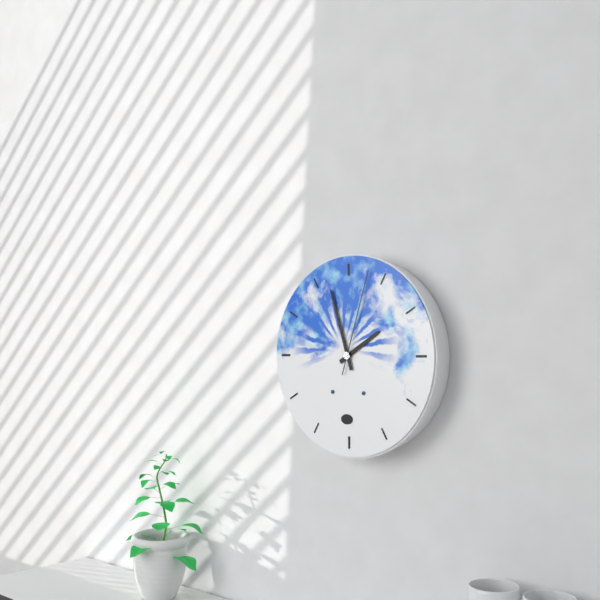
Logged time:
1h57m03s
